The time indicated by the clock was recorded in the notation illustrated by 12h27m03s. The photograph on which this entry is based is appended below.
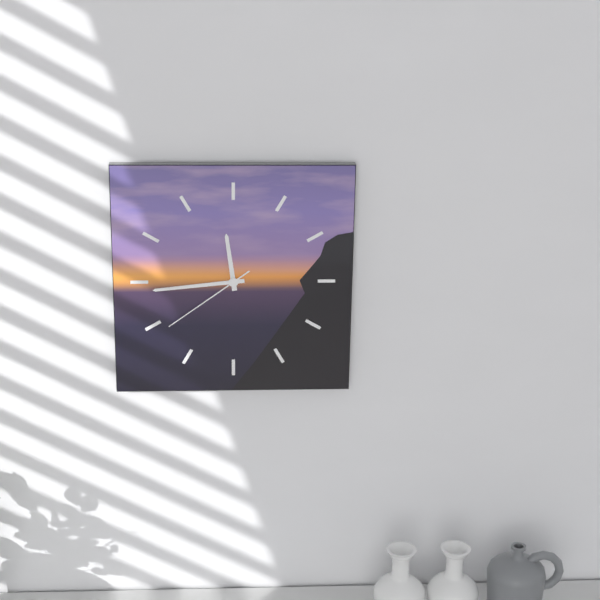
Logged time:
11h44m39s
